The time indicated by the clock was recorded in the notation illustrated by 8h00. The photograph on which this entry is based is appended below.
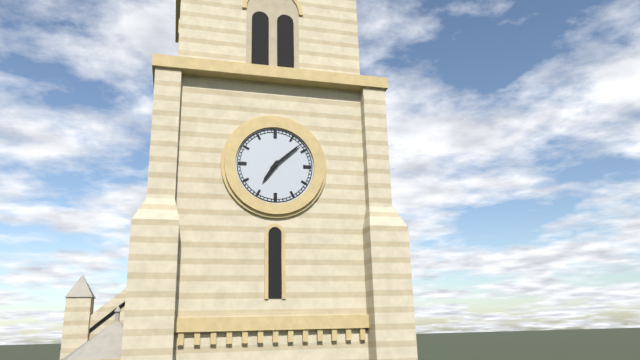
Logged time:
7h08
